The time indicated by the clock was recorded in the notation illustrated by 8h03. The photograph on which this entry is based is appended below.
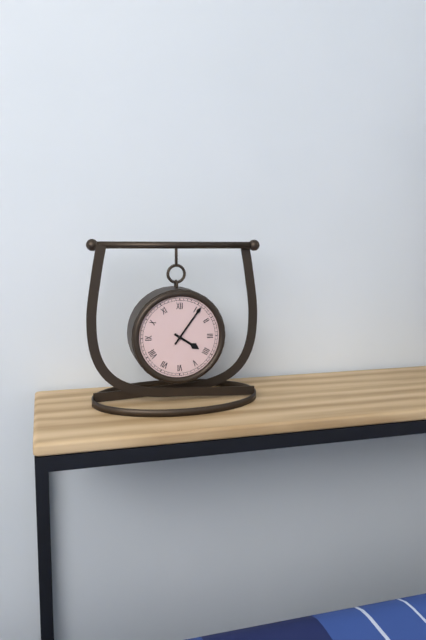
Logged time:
4h06
